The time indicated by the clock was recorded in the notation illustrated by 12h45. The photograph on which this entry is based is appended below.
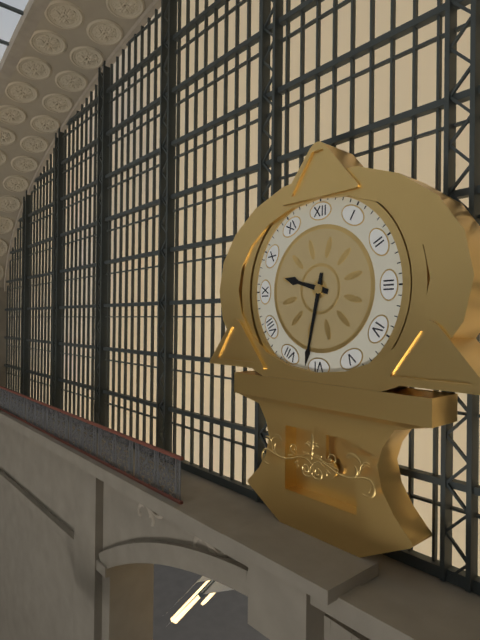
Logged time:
9h32
